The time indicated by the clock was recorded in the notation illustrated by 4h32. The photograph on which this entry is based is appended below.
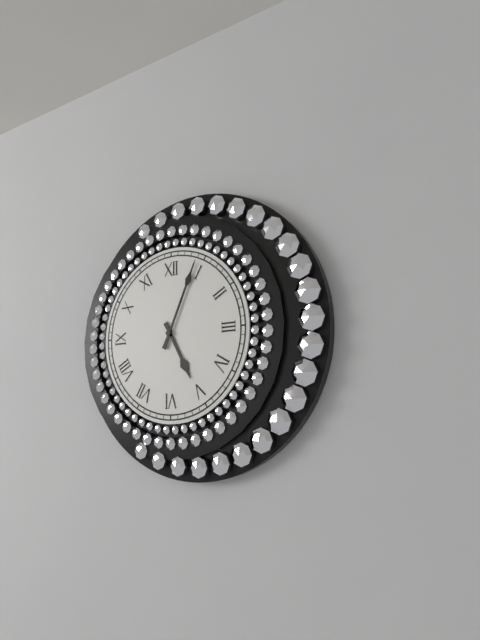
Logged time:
5h04
